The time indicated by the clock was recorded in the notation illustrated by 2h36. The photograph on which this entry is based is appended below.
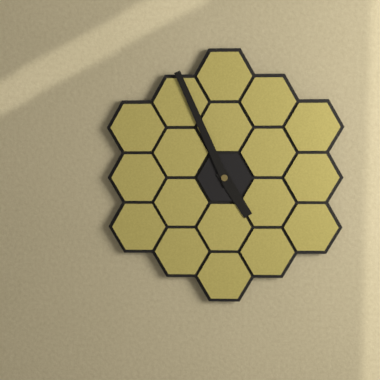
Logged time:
4h56
